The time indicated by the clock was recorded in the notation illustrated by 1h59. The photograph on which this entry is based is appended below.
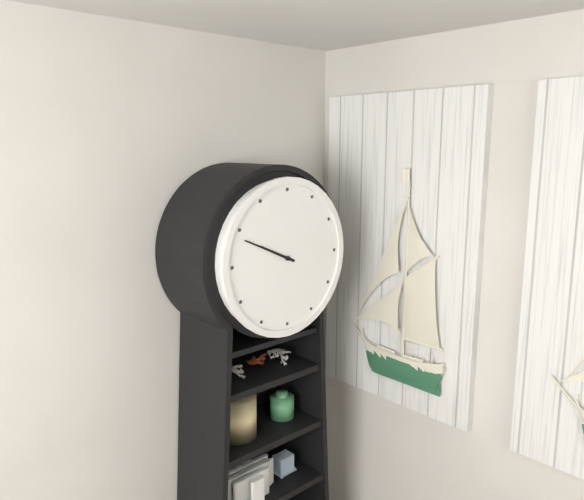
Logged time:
9h49
